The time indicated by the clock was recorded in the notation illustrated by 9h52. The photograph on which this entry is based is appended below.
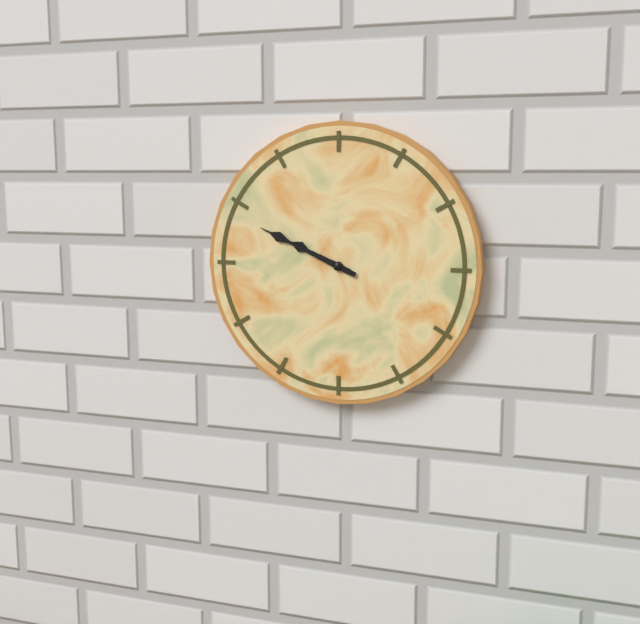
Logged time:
9h49
